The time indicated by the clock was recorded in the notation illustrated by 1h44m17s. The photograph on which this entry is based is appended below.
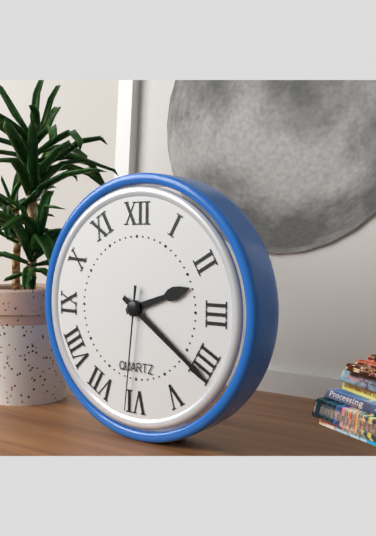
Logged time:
2h21m31s
